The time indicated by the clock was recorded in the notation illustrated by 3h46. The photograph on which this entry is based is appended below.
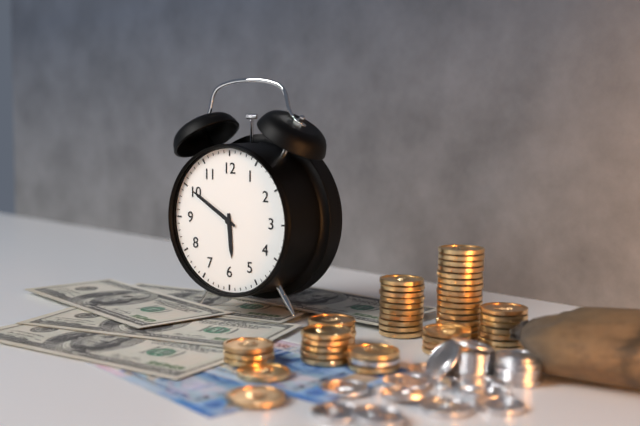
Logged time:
5h50
